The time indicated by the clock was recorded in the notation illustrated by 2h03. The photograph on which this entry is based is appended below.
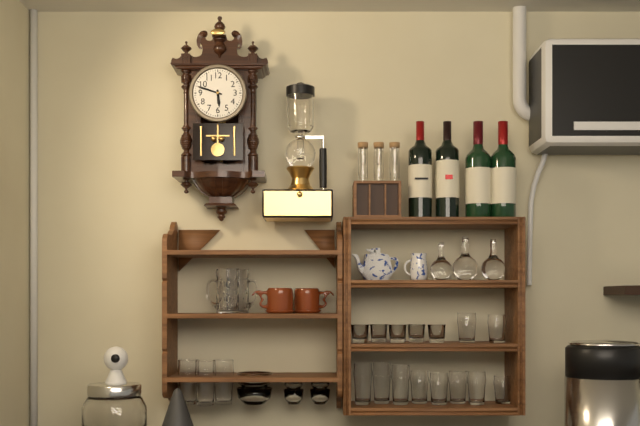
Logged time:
5h48
